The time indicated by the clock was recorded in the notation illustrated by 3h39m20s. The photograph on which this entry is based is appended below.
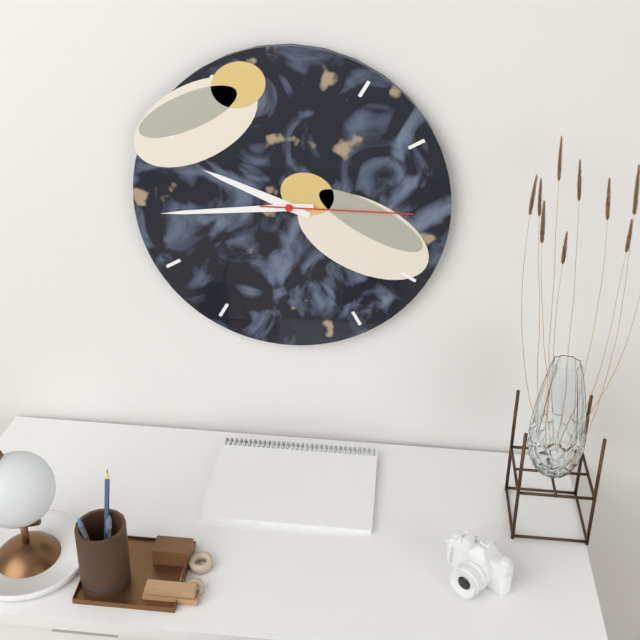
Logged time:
9h44m15s
